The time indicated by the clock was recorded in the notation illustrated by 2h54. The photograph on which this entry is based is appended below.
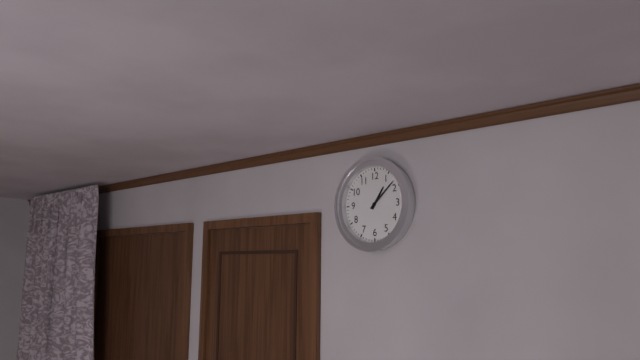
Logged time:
1h08
